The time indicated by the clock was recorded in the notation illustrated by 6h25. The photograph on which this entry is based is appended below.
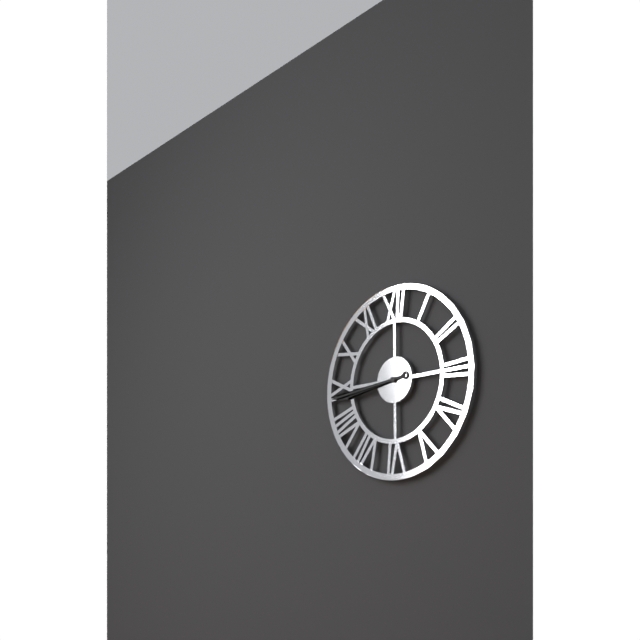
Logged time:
8h44
